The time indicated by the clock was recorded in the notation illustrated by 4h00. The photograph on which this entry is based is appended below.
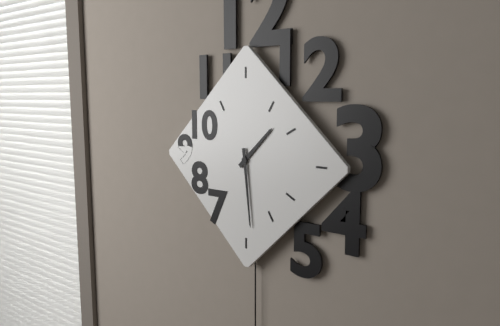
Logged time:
1h29
